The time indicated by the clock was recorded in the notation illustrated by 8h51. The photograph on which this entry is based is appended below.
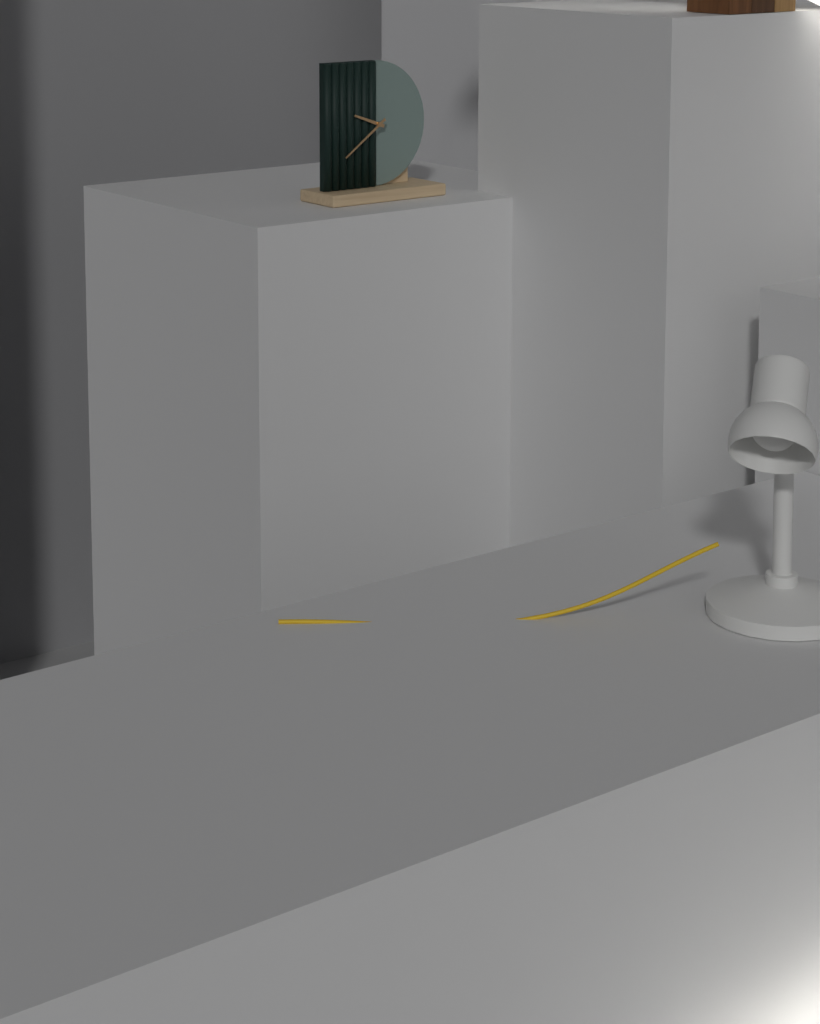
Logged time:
9h39
